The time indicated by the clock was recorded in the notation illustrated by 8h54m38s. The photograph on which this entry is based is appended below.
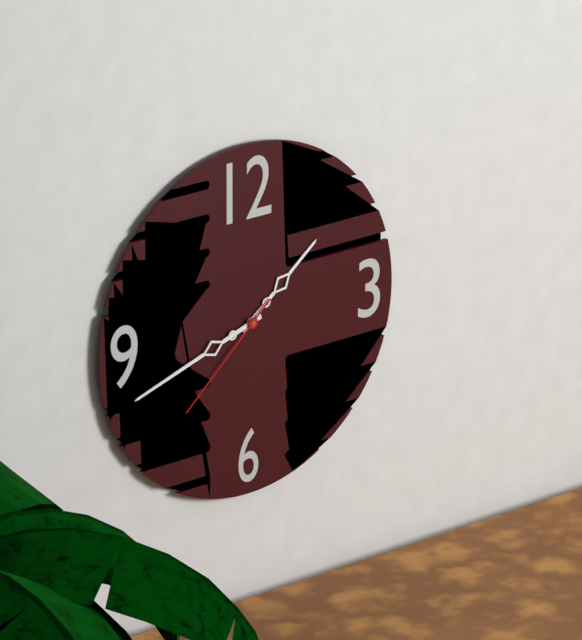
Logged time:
1h42m38s
